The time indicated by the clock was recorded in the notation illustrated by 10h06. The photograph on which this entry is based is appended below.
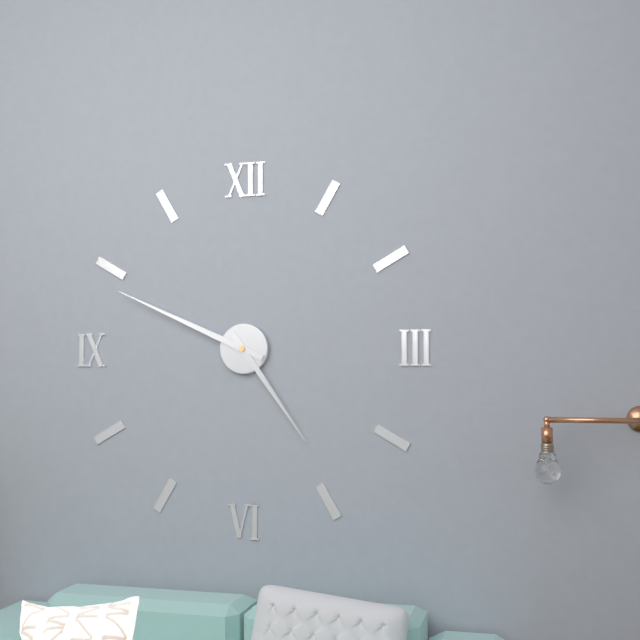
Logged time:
4h49
